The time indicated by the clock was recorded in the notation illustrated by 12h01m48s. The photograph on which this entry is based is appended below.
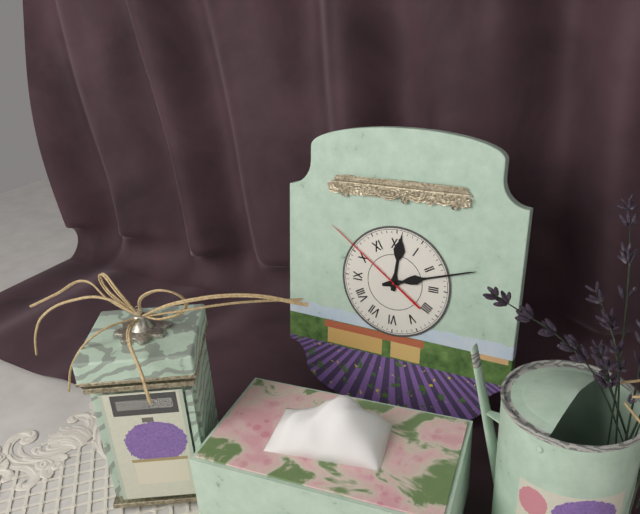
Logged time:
12h12m51s
